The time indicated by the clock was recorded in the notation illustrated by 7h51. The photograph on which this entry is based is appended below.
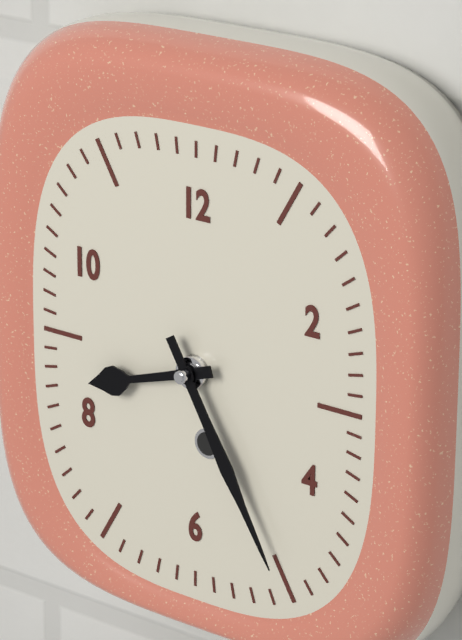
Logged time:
8h25
